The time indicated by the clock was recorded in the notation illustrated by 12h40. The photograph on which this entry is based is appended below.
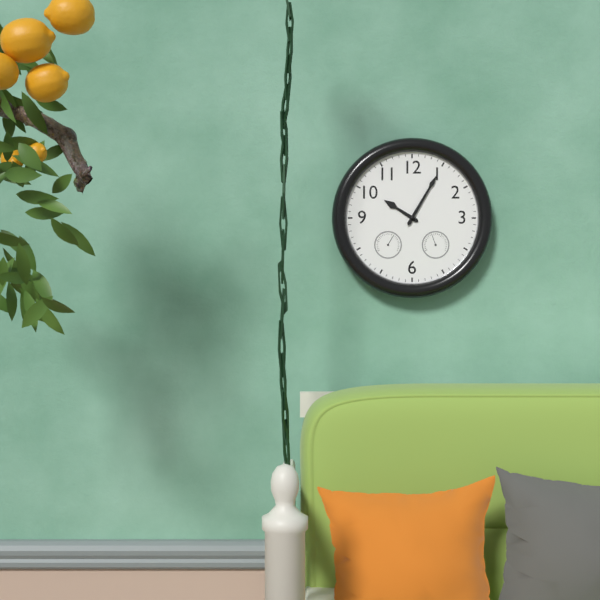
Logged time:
10h05
